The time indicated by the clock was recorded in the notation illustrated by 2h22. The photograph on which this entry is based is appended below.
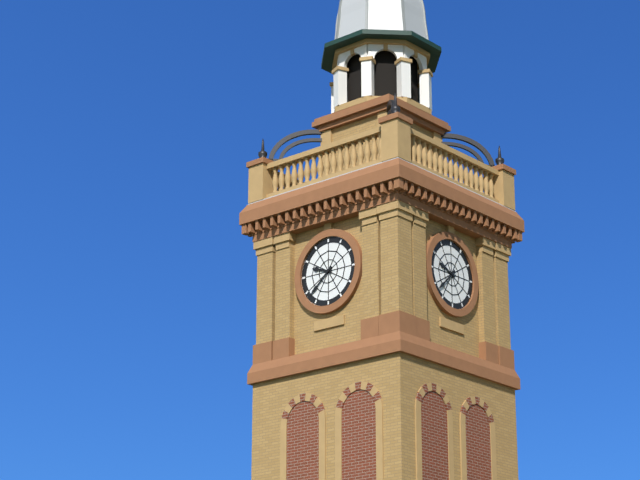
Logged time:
9h38
